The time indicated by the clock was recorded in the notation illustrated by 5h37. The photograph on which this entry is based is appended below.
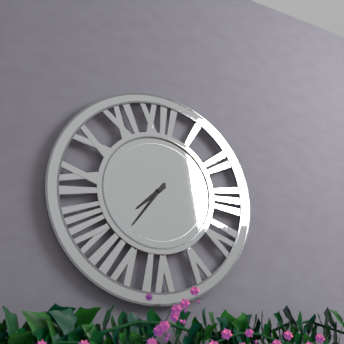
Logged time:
7h36
